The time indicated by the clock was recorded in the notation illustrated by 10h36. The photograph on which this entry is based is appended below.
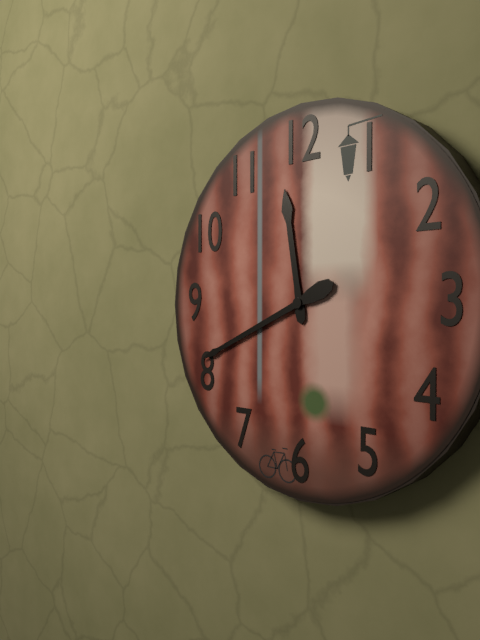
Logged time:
11h41
